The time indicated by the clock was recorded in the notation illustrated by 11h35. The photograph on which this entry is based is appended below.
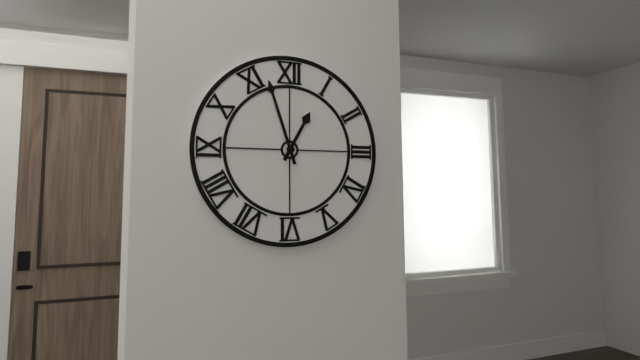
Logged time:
12h57
